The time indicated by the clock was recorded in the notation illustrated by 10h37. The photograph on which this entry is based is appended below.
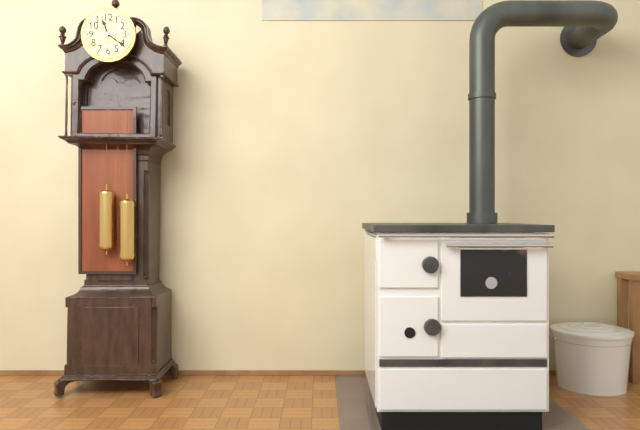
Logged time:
11h21
